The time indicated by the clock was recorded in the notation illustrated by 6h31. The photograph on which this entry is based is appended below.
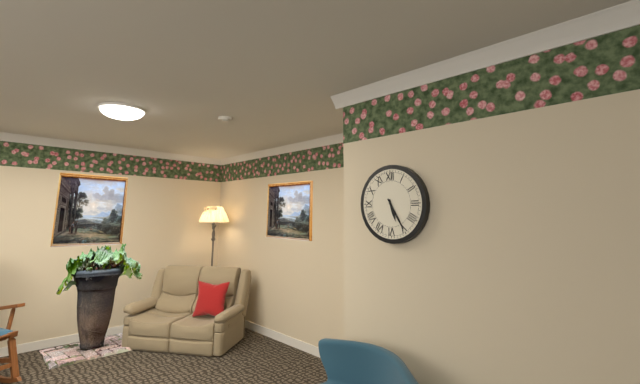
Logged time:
5h25
